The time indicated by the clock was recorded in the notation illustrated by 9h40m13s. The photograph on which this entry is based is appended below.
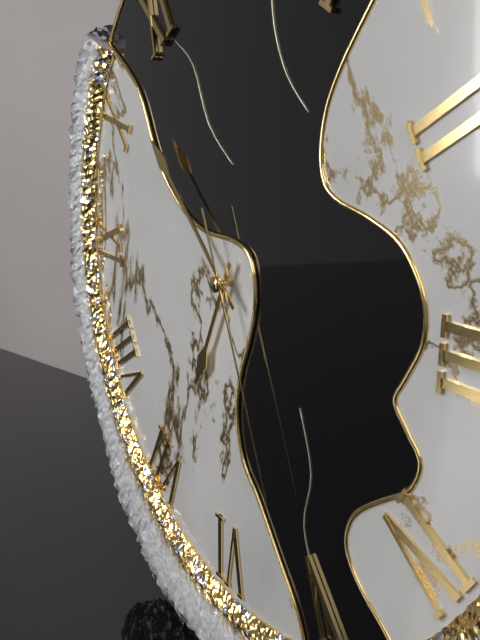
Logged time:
6h52m26s
